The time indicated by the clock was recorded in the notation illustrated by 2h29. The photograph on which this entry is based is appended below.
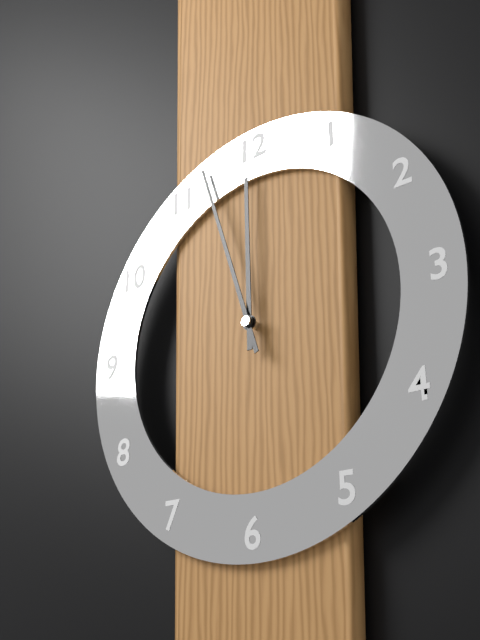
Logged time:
11h57
